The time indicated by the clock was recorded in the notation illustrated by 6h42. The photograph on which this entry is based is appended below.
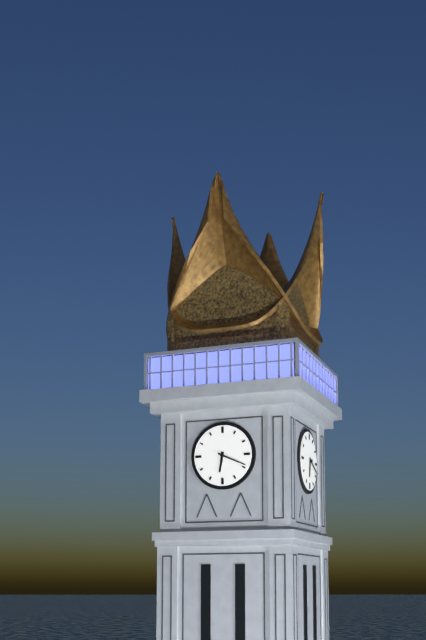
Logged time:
6h19
